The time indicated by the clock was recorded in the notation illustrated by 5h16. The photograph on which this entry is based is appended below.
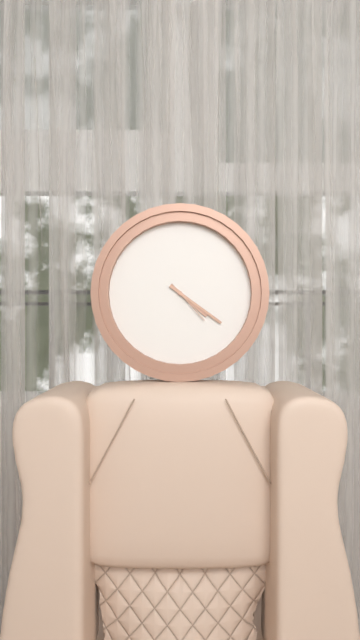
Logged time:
4h21
